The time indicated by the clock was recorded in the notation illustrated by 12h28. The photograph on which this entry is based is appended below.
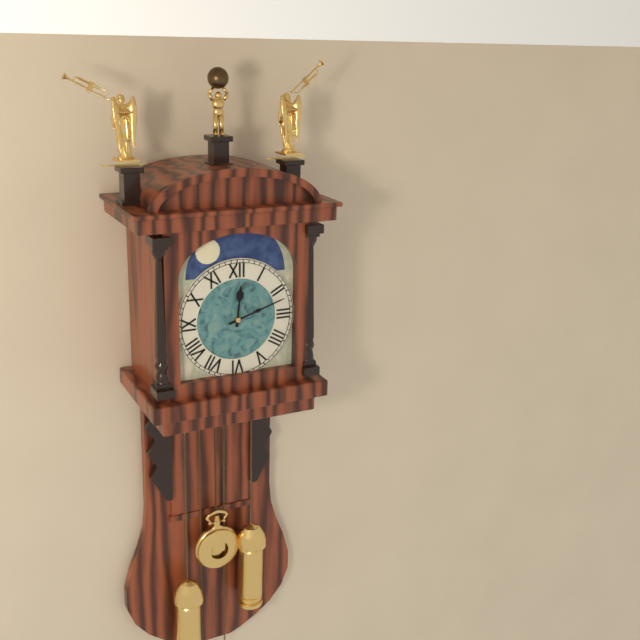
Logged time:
12h12
